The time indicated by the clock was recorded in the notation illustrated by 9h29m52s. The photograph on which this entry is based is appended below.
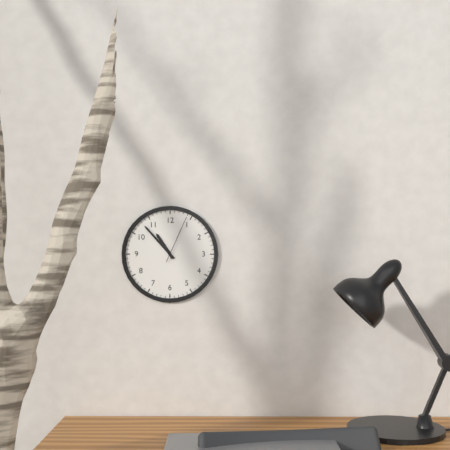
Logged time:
10h53m04s
